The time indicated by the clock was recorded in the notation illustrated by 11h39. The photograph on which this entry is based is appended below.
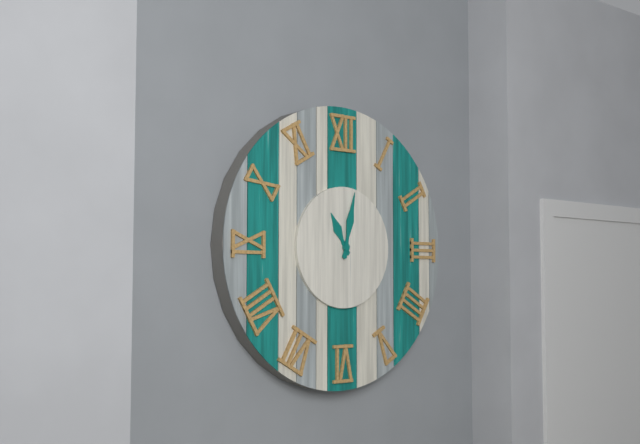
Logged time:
11h02
